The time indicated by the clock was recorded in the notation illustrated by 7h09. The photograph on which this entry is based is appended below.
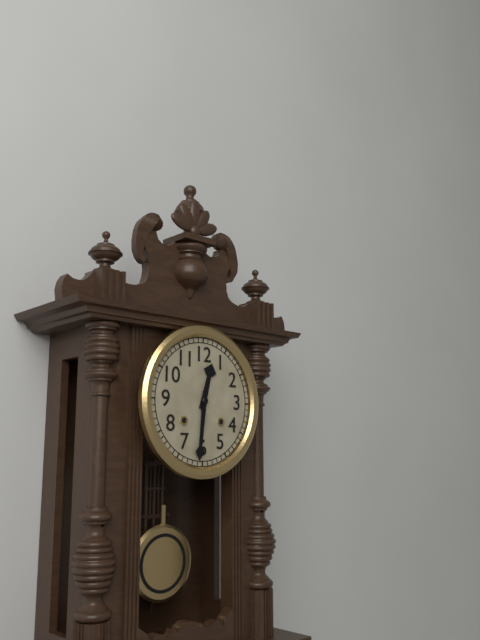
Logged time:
12h31
